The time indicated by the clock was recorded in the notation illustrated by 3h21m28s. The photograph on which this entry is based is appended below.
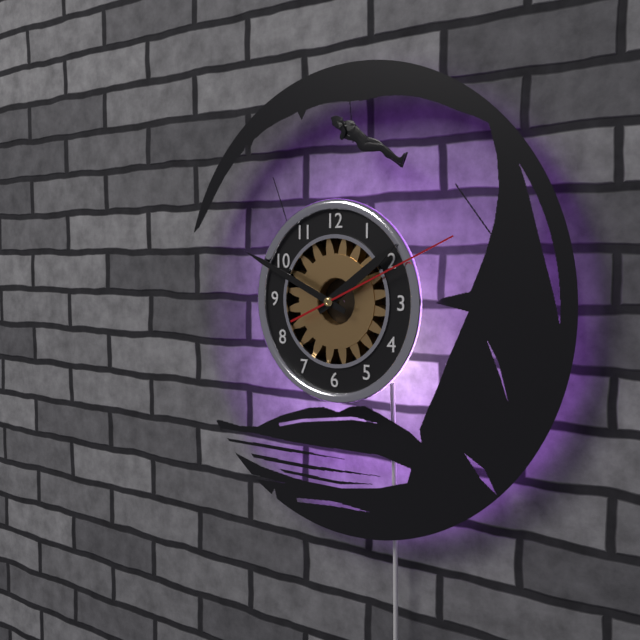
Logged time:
1h49m11s
